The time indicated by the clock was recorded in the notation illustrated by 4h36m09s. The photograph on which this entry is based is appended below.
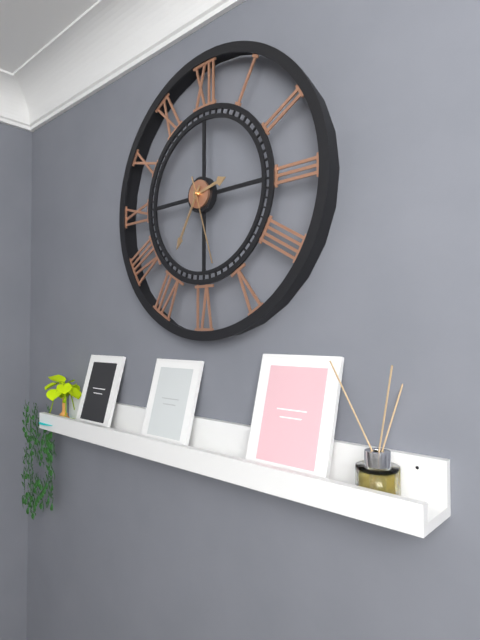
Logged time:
2h35m27s
